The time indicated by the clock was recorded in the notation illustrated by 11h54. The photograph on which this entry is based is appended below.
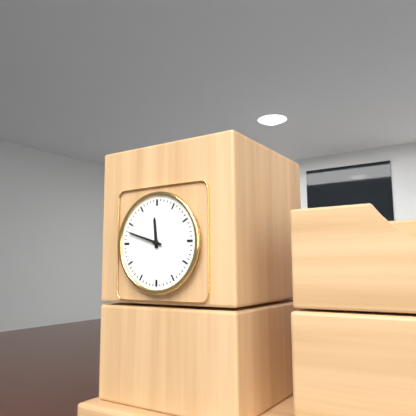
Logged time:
11h48
